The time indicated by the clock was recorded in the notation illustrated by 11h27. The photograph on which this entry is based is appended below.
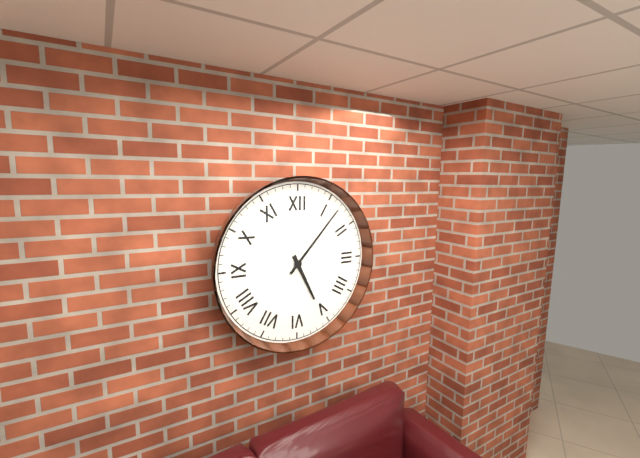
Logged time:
5h07
